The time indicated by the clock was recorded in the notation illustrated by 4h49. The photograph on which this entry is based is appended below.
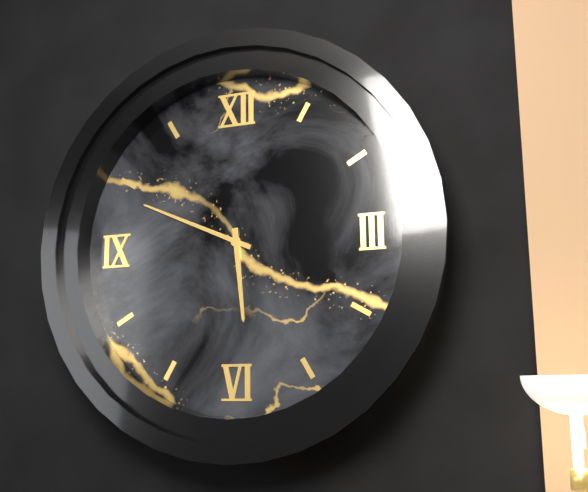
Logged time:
5h49
